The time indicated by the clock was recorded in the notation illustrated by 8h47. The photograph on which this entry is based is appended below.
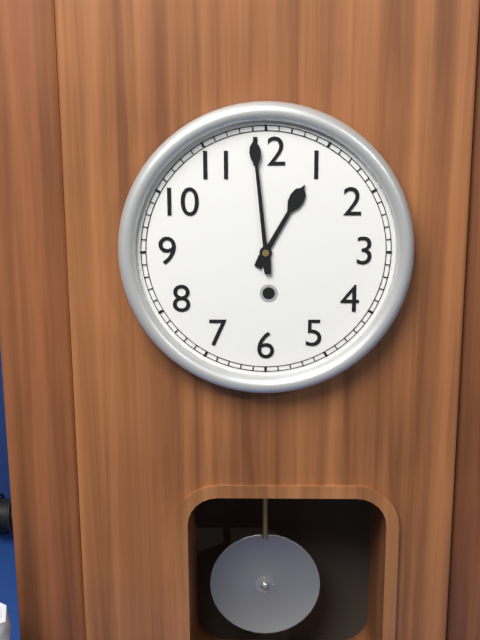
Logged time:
12h59
